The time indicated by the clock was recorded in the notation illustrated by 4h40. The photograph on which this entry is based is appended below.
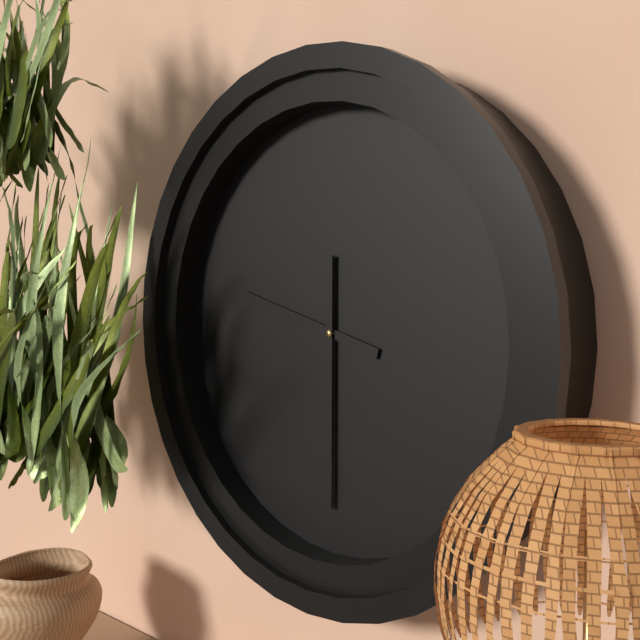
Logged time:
9h30
